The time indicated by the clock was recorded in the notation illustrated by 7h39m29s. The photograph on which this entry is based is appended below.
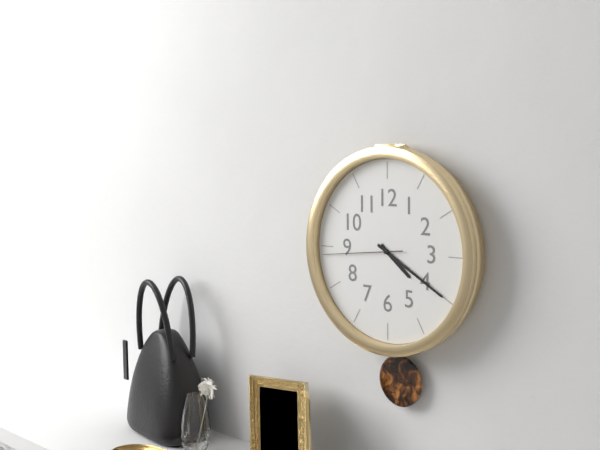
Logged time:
4h20m44s
